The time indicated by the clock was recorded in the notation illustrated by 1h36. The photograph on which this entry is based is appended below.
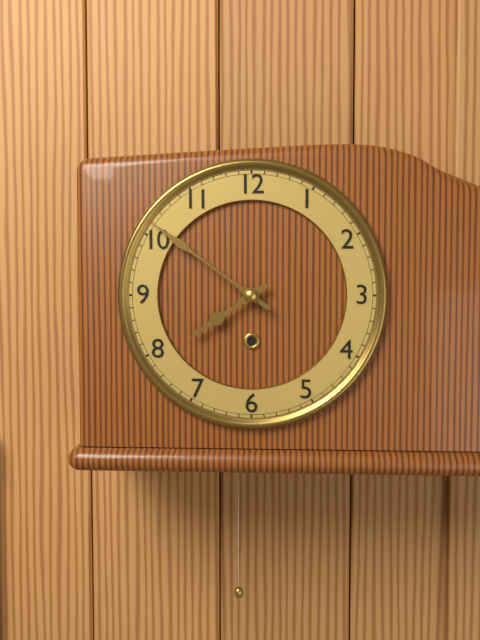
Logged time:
7h51
